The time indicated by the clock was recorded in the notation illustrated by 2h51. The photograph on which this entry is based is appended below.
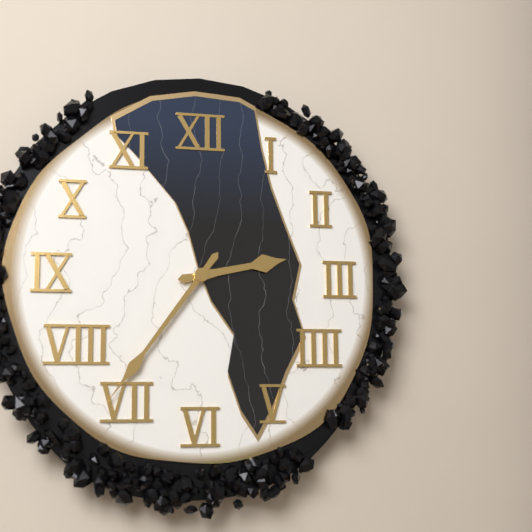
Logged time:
2h36
